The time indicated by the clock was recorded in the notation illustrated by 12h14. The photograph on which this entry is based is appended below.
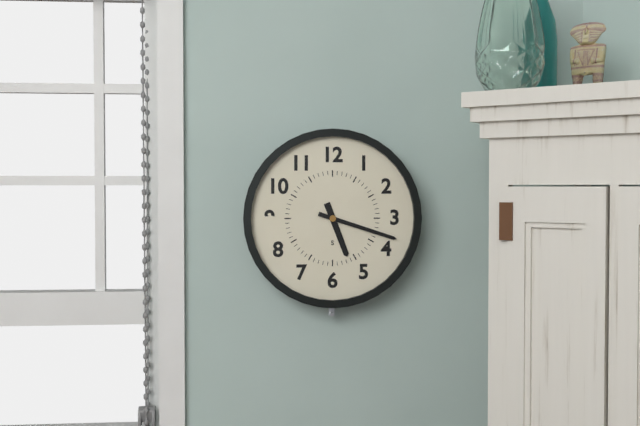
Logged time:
5h18
